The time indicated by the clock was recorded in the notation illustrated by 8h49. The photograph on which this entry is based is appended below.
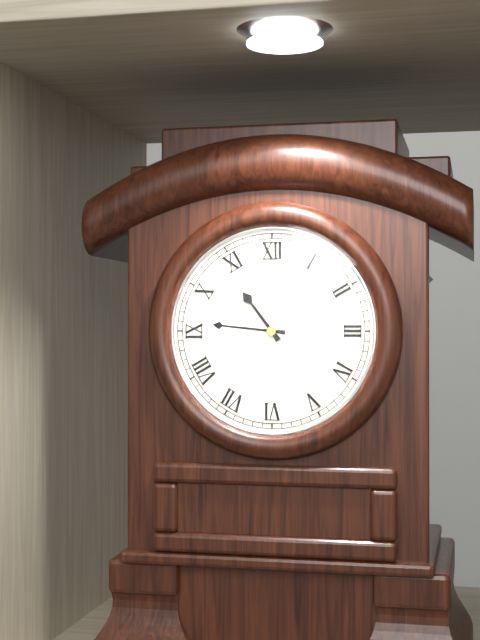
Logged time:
10h46
